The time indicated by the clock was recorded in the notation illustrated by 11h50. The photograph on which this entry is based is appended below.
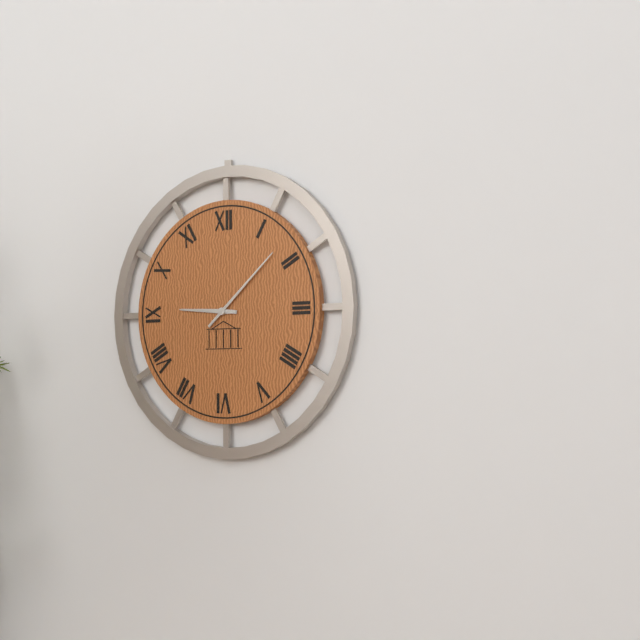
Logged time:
9h08
